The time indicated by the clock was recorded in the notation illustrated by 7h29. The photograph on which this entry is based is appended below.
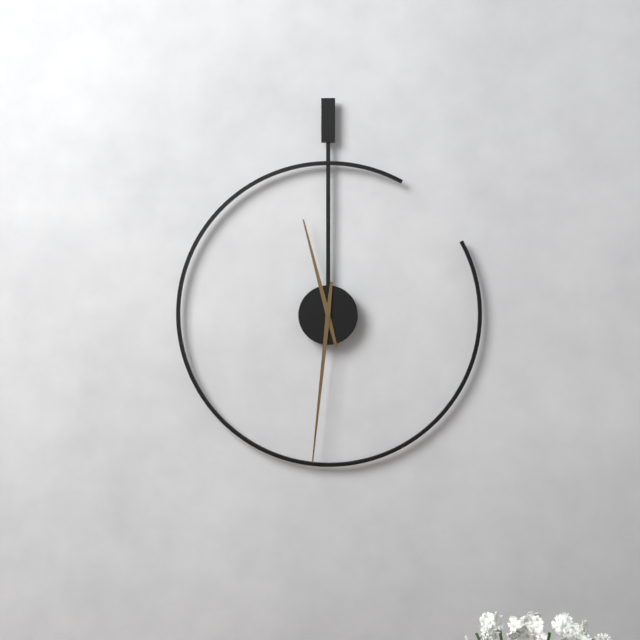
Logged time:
11h31
